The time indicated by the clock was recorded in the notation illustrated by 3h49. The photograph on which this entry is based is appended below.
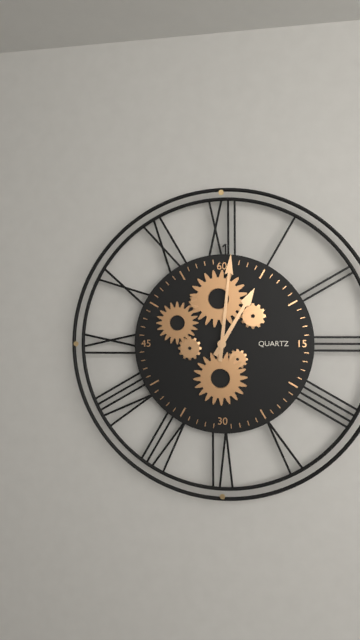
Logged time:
1h01
